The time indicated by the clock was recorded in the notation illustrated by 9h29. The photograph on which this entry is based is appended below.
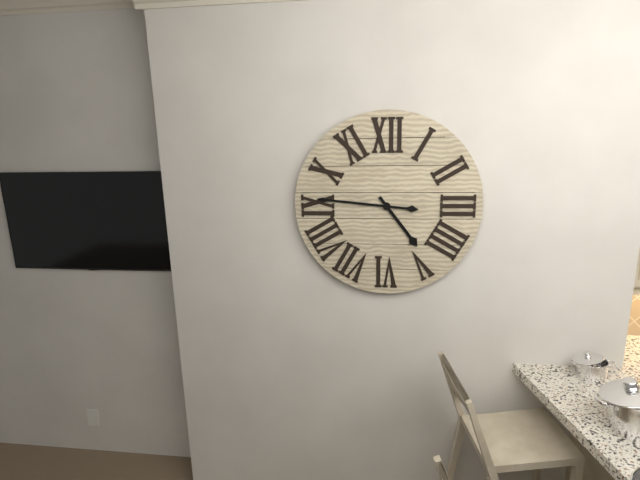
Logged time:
4h46
